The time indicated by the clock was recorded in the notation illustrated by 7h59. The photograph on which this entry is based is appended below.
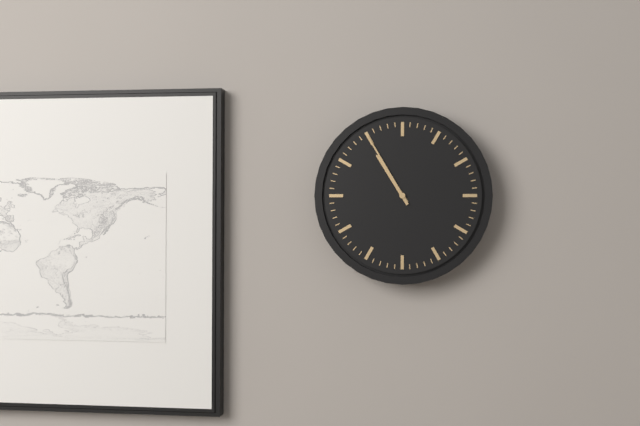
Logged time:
10h55
